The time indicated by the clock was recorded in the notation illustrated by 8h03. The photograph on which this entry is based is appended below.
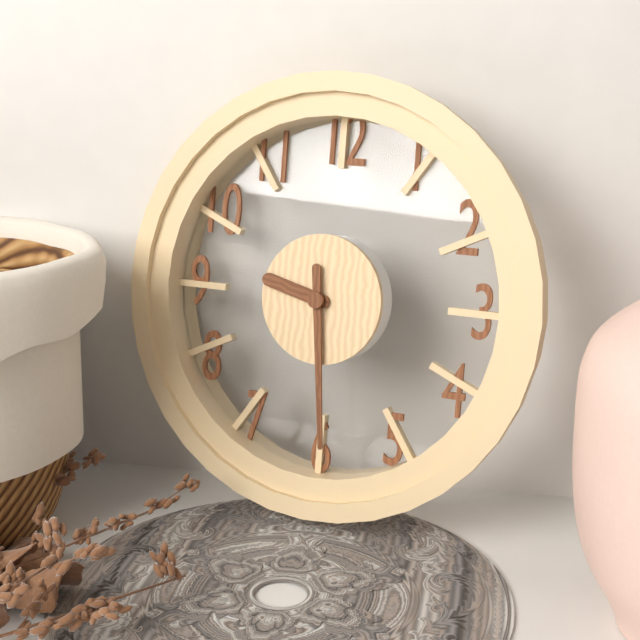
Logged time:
9h29
